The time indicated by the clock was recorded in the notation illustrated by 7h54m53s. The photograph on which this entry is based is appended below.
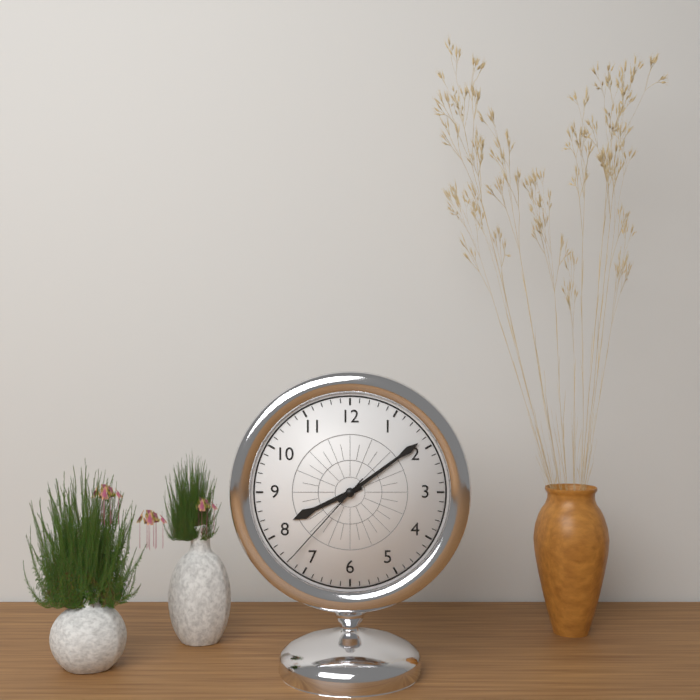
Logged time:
8h09m37s
